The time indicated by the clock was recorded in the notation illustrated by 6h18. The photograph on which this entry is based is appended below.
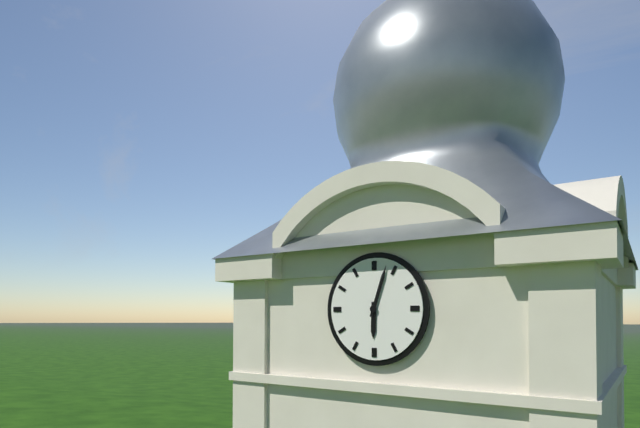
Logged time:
6h03
